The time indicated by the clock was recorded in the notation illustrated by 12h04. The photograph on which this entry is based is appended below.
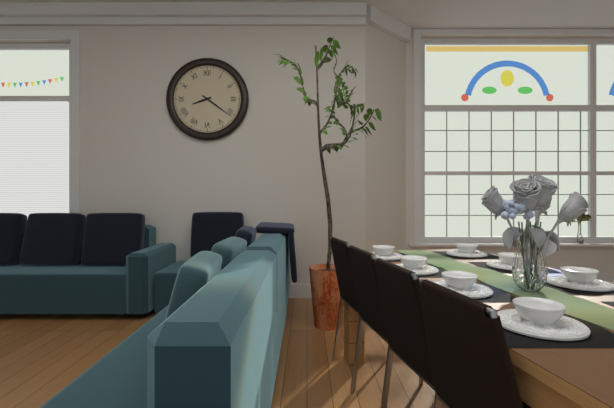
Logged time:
8h21
